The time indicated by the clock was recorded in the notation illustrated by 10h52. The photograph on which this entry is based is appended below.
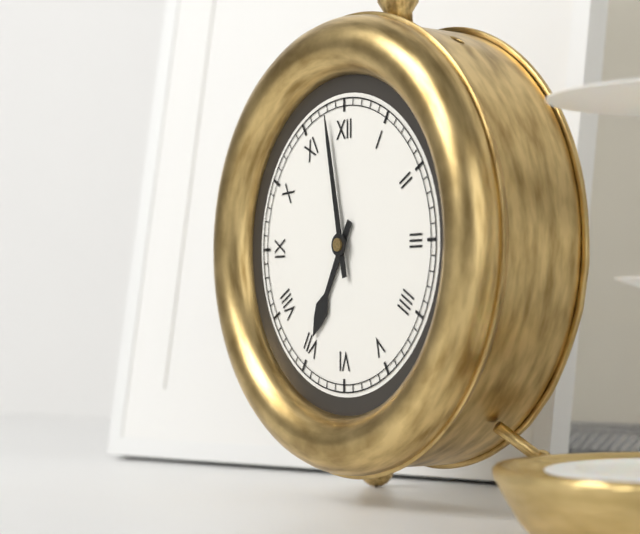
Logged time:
6h58
